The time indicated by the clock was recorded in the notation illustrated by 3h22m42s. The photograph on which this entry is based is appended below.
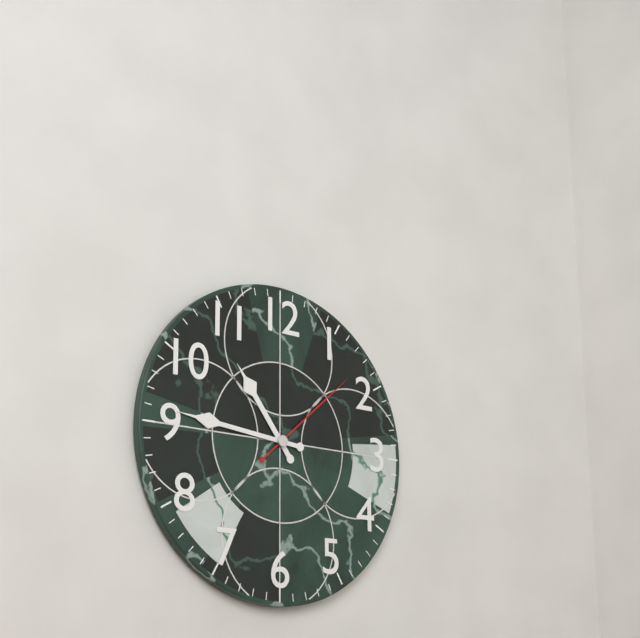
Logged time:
10h46m08s
